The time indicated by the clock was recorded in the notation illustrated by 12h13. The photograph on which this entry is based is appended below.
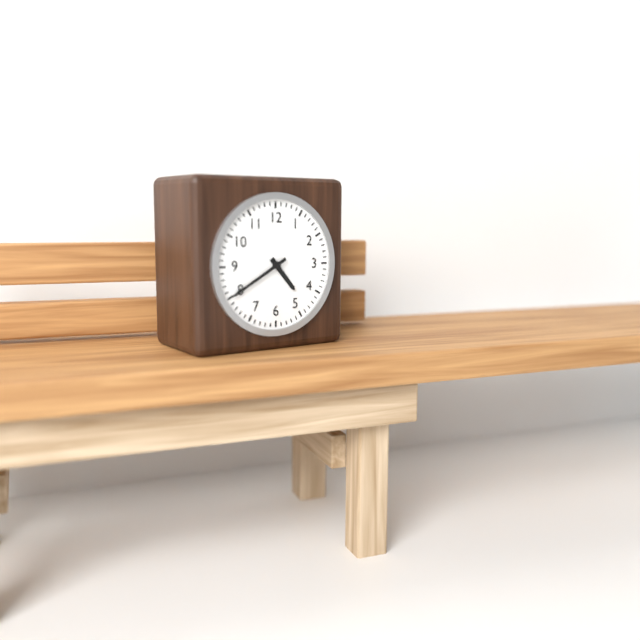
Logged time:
4h40
